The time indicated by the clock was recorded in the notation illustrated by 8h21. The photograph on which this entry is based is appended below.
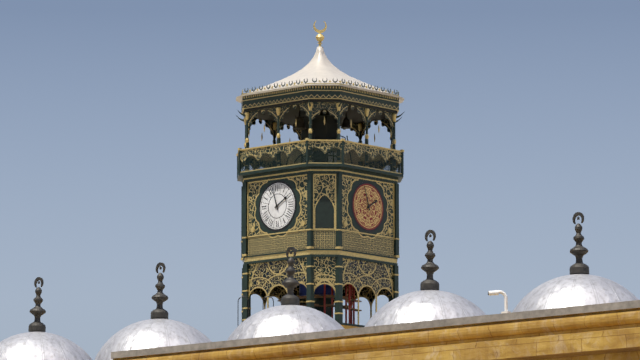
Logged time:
1h57
